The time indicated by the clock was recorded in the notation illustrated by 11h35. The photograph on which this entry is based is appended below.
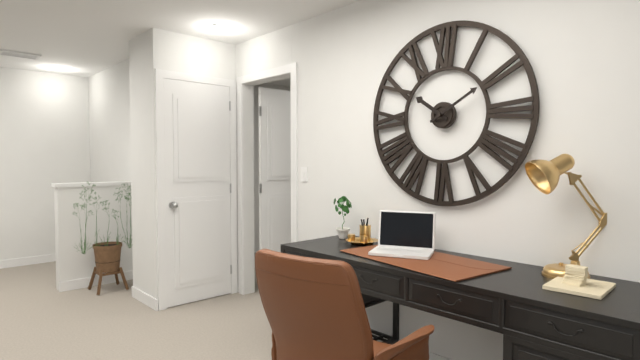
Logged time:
10h10
